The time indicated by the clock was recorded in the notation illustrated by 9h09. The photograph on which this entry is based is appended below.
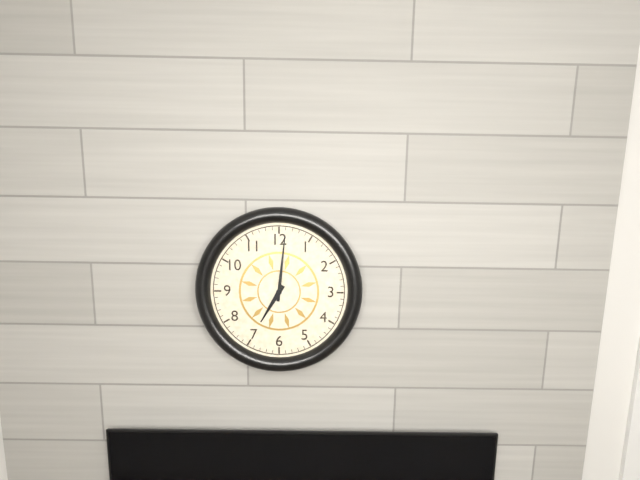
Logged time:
7h01
